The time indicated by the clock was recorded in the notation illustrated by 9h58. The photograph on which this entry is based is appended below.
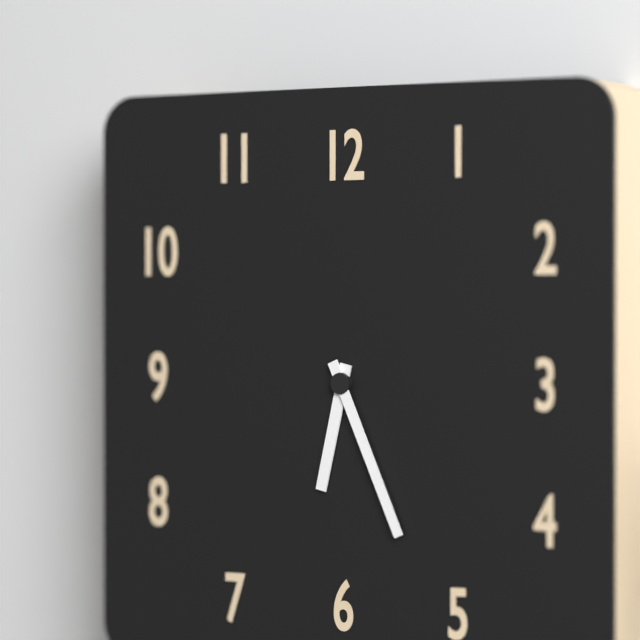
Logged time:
6h26
